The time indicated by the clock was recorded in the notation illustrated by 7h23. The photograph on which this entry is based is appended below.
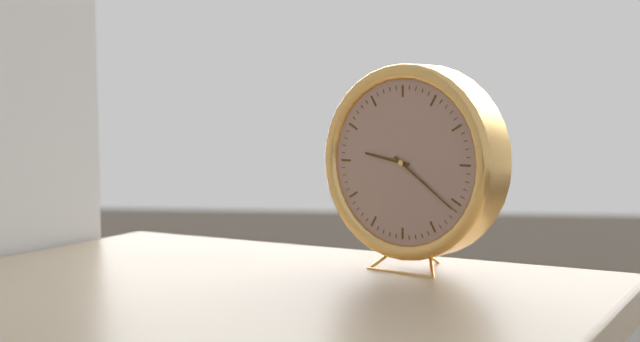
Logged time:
9h21
